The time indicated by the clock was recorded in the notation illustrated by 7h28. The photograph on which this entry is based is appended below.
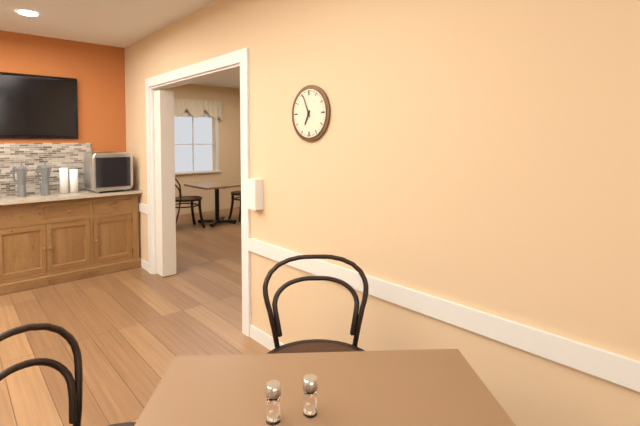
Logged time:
6h56
